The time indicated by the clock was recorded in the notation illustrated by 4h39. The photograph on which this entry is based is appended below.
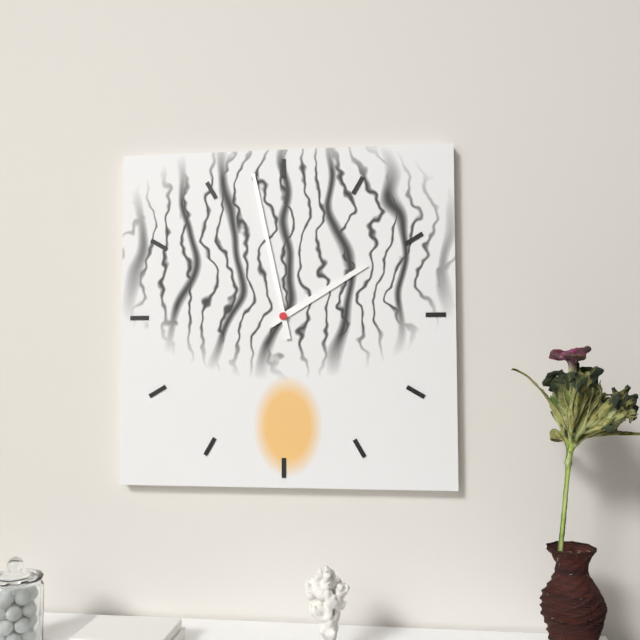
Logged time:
1h58
